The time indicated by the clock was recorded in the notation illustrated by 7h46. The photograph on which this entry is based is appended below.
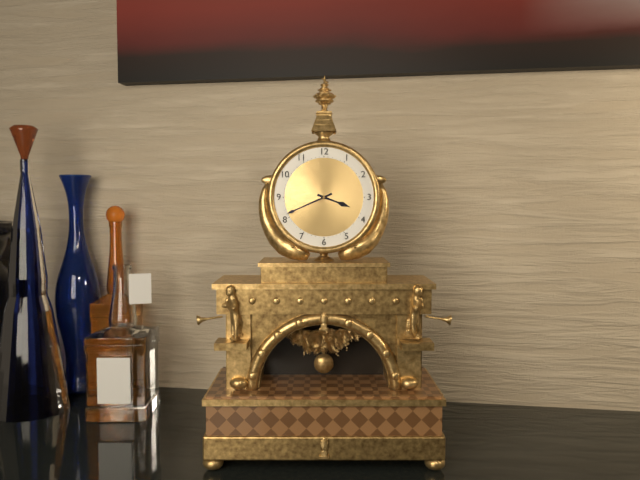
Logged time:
3h41
